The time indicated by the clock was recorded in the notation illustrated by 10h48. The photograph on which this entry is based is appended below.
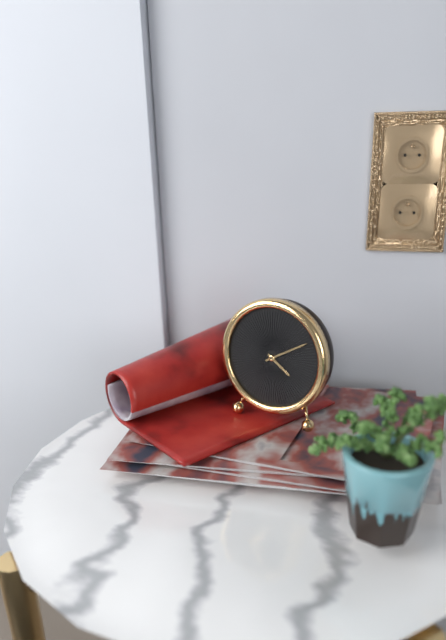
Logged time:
4h10
